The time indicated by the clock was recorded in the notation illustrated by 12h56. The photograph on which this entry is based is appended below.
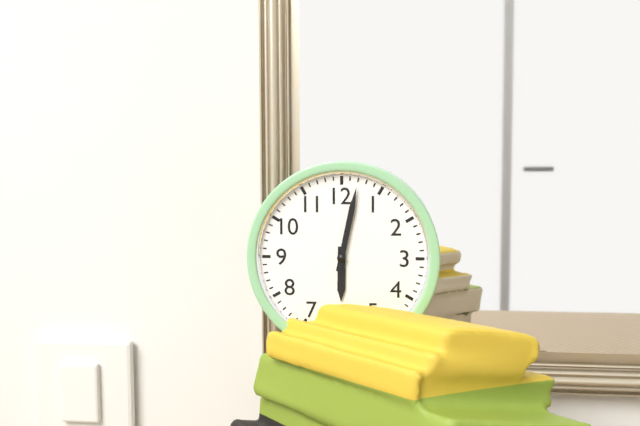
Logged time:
6h02
